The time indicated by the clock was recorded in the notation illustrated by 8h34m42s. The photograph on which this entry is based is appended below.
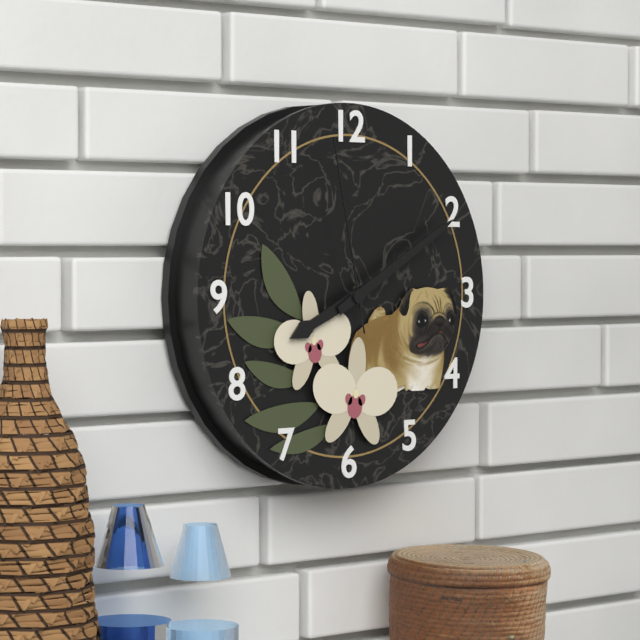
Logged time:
8h10m58s
